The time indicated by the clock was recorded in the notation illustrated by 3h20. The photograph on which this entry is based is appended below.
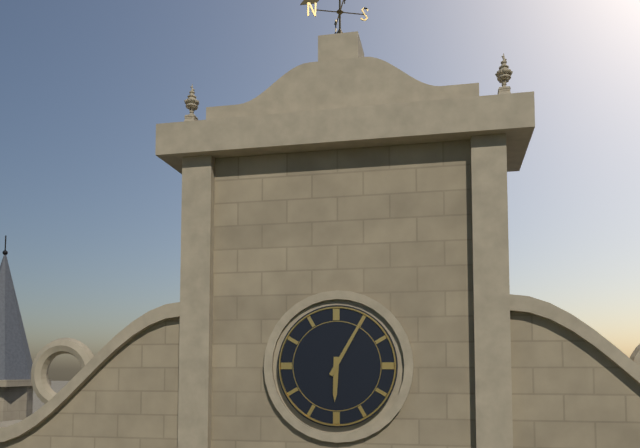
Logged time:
6h05
